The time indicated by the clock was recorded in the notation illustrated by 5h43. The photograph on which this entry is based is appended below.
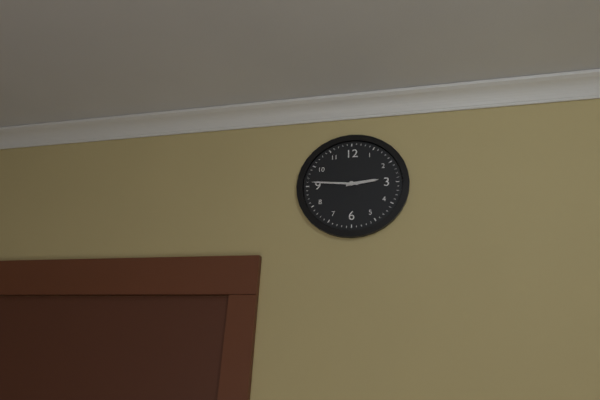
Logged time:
2h46
